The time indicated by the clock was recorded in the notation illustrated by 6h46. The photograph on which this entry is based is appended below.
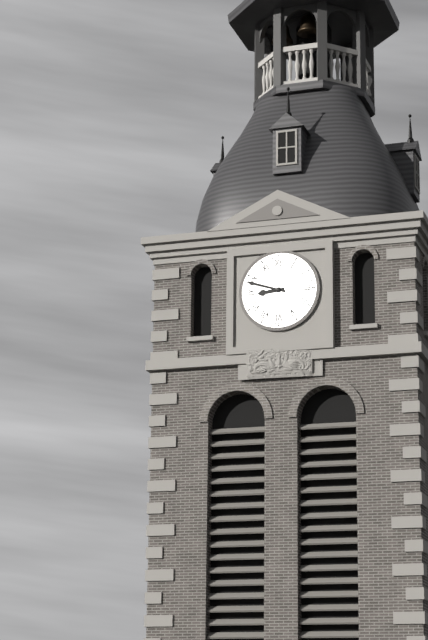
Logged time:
8h48
